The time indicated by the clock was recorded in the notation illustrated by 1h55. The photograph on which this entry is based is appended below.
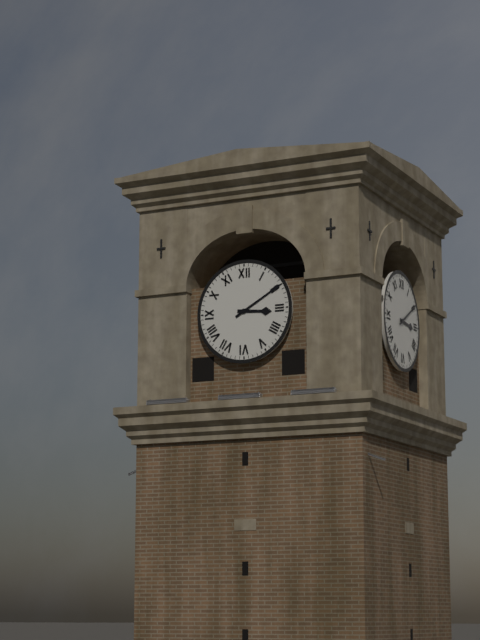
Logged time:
3h10
